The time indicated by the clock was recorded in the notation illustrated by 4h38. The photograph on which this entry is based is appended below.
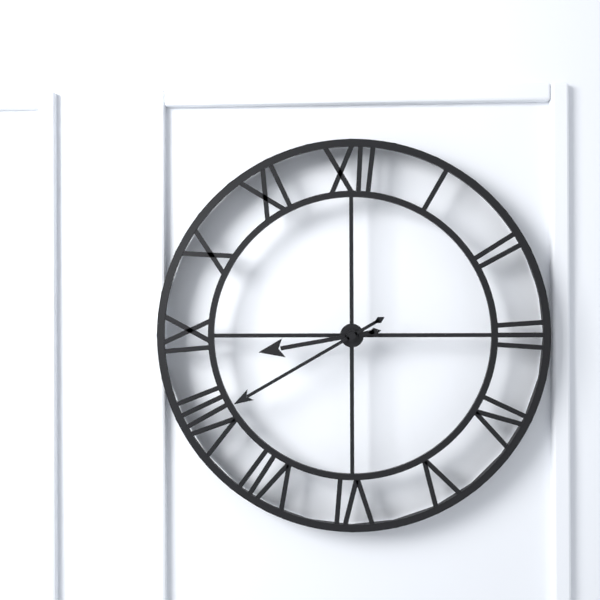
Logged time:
8h40
